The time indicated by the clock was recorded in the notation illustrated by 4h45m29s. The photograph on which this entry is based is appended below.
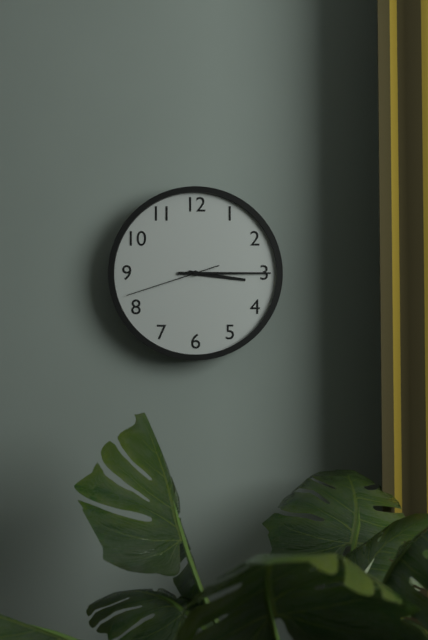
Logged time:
3h15m42s
